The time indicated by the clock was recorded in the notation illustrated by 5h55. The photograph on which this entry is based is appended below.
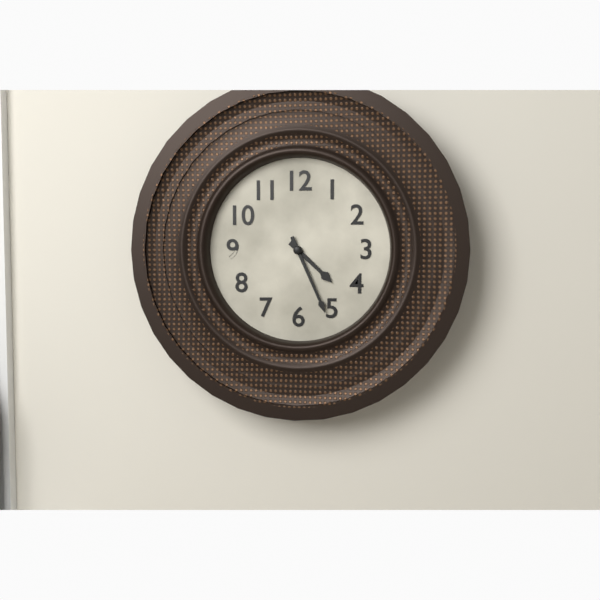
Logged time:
4h26
